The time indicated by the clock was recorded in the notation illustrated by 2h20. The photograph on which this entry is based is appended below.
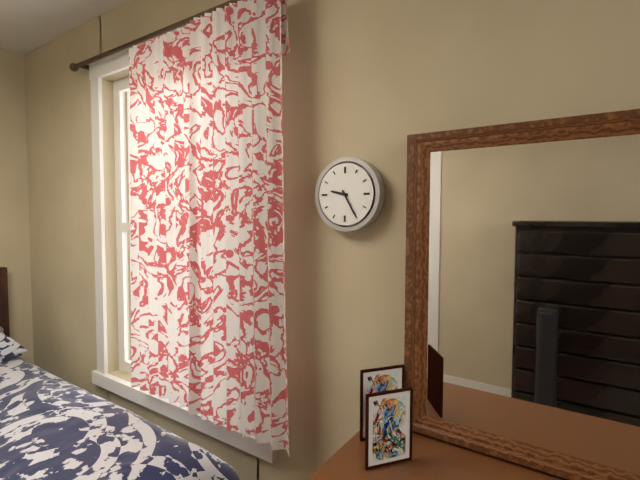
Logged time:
9h25
